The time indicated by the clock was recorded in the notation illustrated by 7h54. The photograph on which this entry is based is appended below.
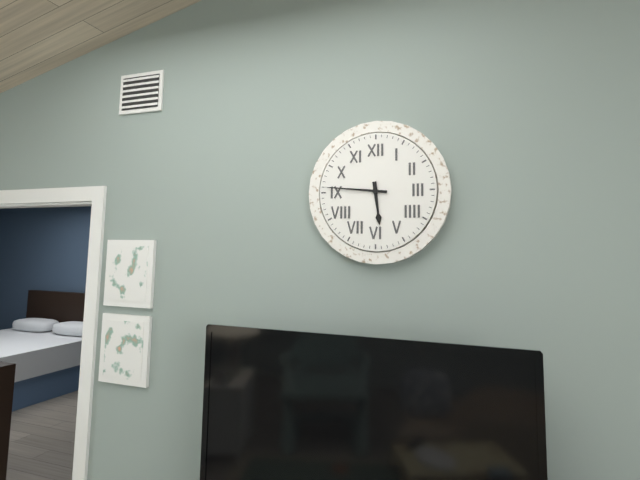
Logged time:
5h46
